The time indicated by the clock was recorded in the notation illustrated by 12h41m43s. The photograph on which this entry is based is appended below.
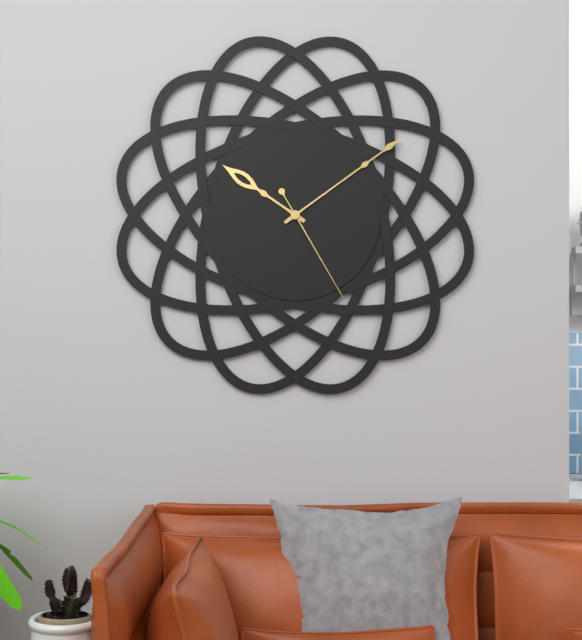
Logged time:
10h09m25s
